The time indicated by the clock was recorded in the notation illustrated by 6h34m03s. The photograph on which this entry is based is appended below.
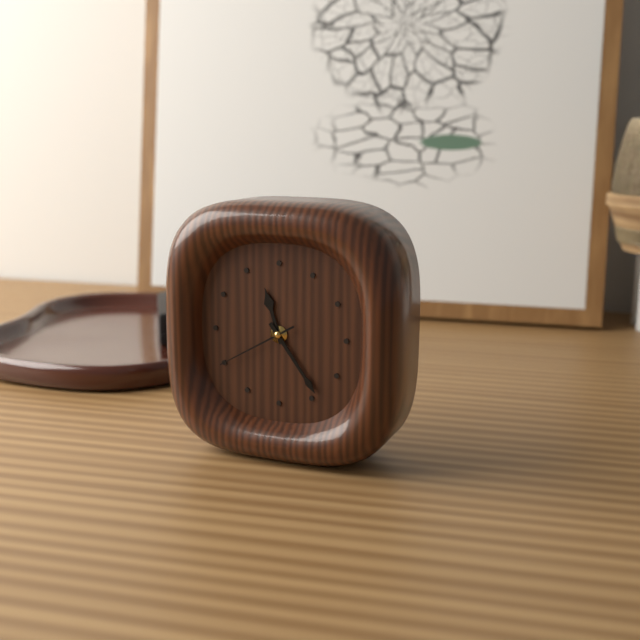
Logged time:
11h24m40s
